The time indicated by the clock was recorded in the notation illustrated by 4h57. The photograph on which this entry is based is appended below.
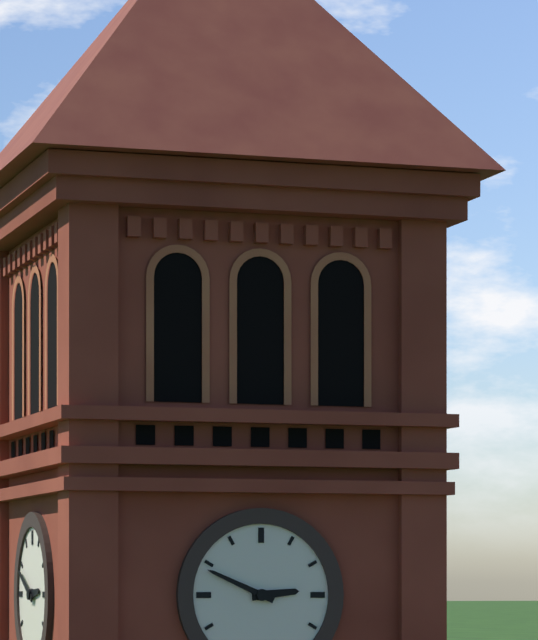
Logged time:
2h49
